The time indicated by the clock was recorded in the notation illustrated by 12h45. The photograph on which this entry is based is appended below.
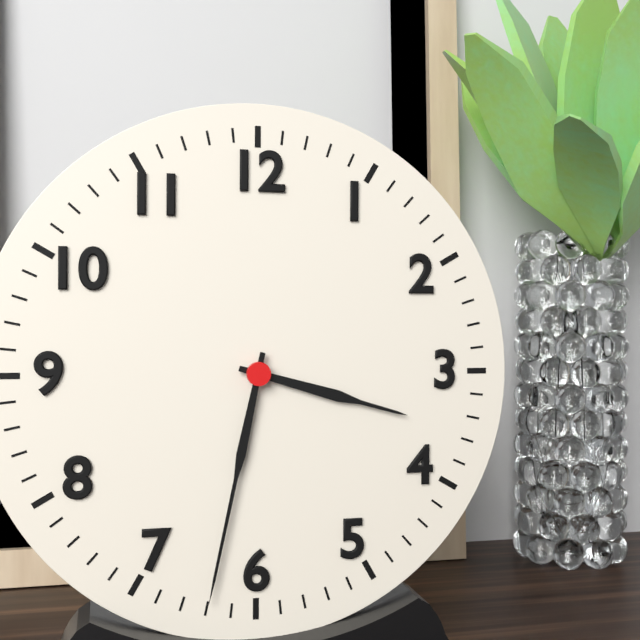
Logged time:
3h32
